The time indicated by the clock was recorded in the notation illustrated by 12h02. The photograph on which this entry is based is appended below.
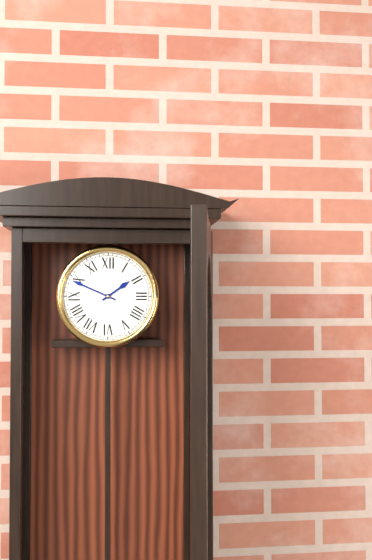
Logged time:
1h49
